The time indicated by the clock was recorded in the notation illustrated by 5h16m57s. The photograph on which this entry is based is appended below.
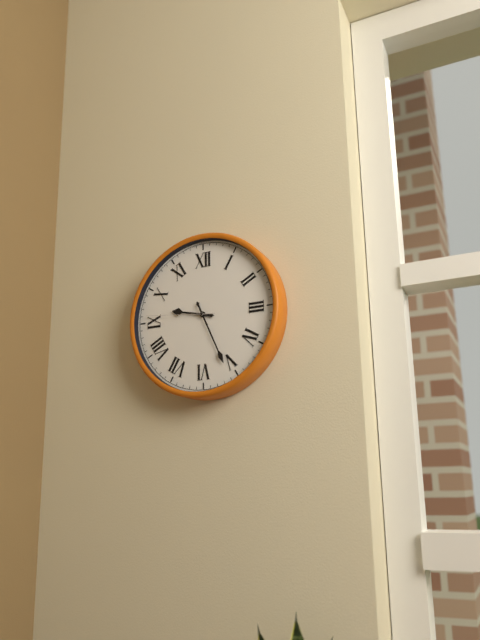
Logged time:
9h26m46s
